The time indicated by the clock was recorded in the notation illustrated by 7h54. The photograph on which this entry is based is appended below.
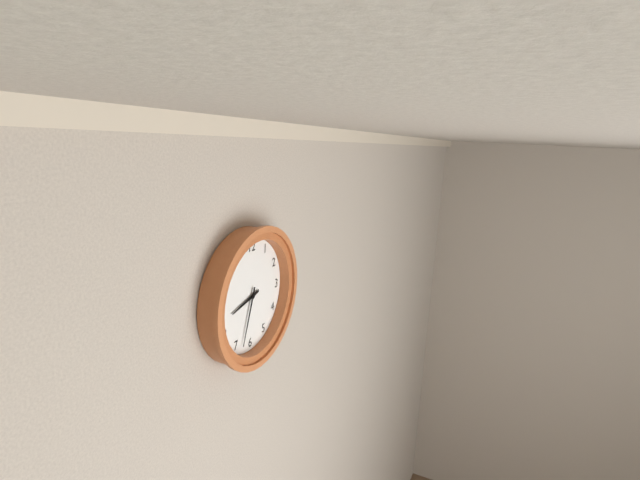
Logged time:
8h33
